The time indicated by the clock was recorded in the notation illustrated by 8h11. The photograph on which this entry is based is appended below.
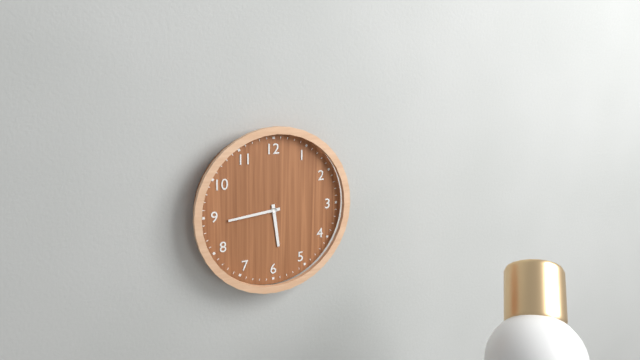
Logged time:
5h44
